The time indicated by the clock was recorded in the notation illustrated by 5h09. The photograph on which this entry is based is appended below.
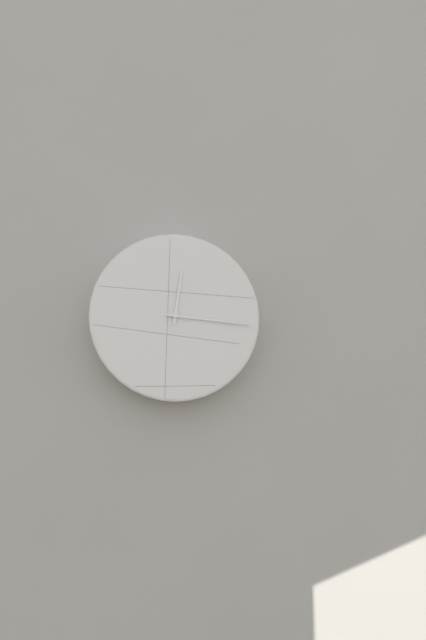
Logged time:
12h16
